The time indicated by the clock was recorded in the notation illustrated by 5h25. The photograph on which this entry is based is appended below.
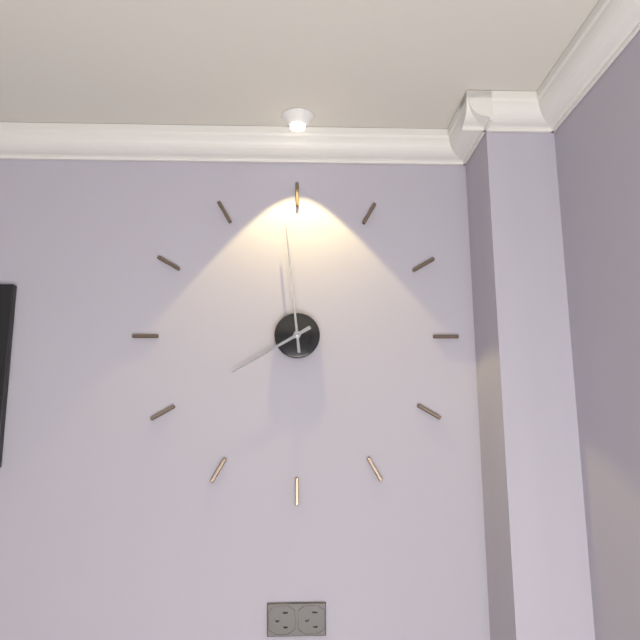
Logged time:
7h59
